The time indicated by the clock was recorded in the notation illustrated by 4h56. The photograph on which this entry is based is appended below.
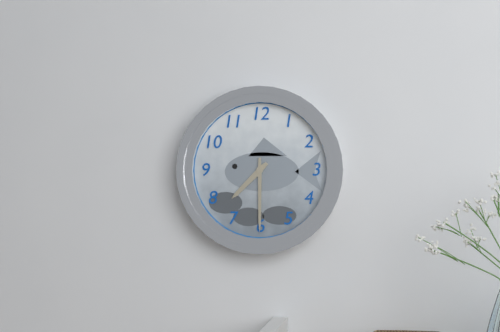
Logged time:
7h30
